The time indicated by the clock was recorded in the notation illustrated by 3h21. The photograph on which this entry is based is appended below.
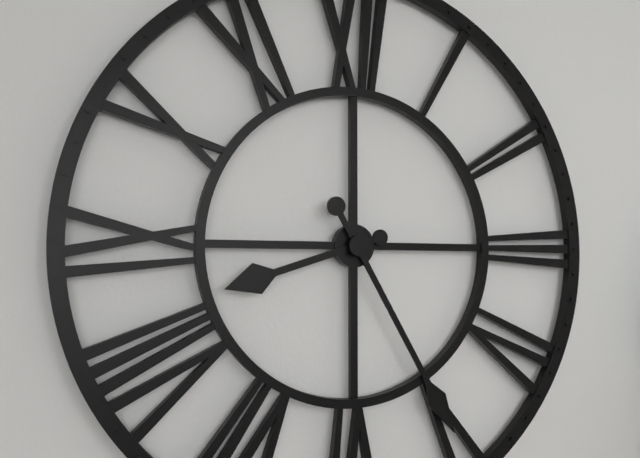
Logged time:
8h25
